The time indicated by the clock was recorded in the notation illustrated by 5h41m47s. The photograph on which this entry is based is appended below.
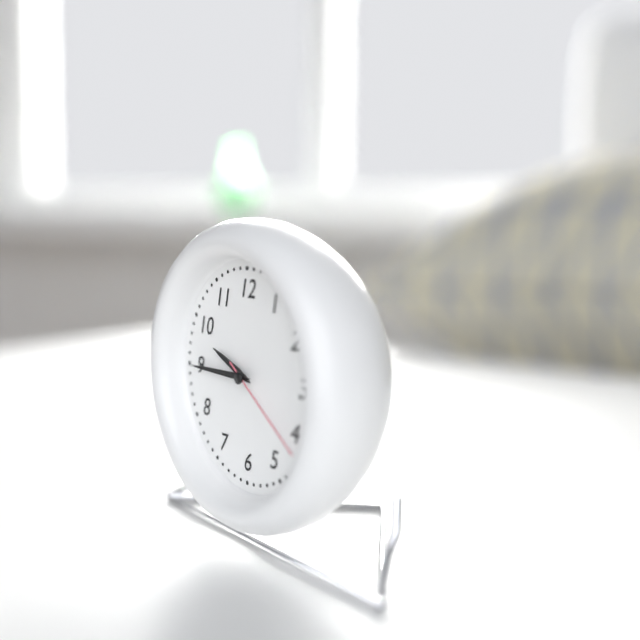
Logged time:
9h45m21s
